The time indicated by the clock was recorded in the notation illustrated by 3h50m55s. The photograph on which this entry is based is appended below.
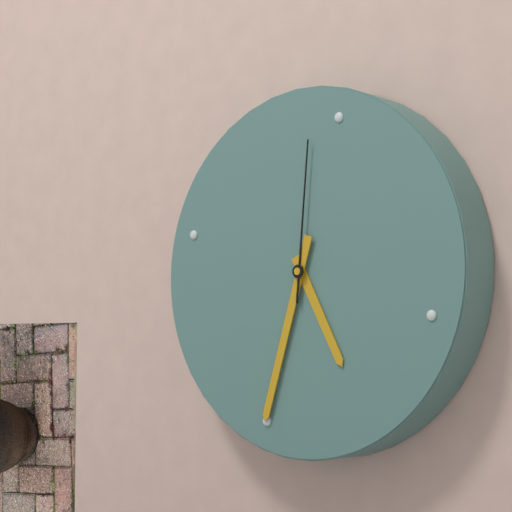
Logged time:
4h30m58s
